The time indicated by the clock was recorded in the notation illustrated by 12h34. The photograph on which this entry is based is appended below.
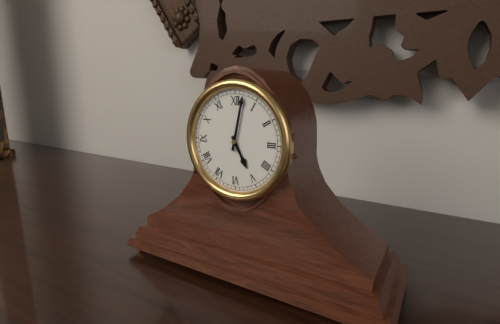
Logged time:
5h02
